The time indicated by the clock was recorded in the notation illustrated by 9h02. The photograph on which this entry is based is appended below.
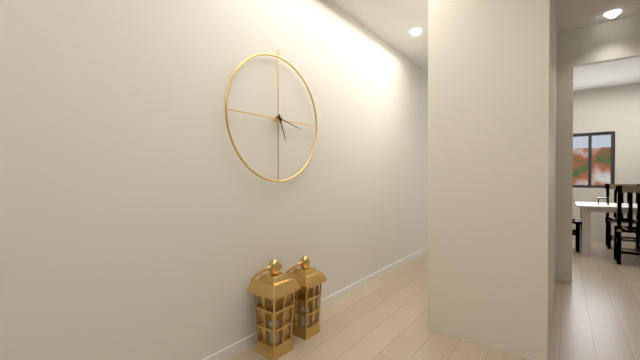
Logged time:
5h17
